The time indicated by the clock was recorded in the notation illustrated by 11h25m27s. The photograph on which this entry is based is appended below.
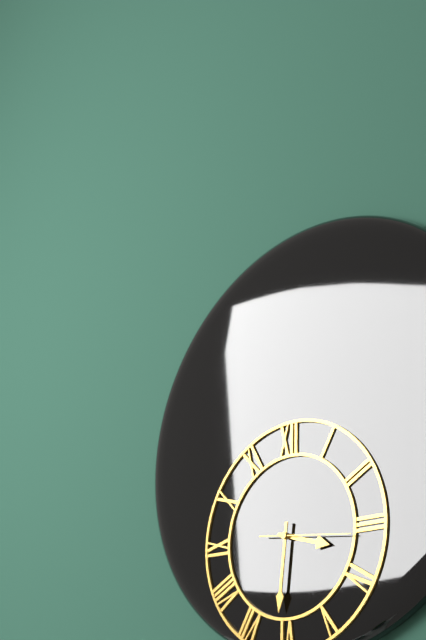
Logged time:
3h31m16s
